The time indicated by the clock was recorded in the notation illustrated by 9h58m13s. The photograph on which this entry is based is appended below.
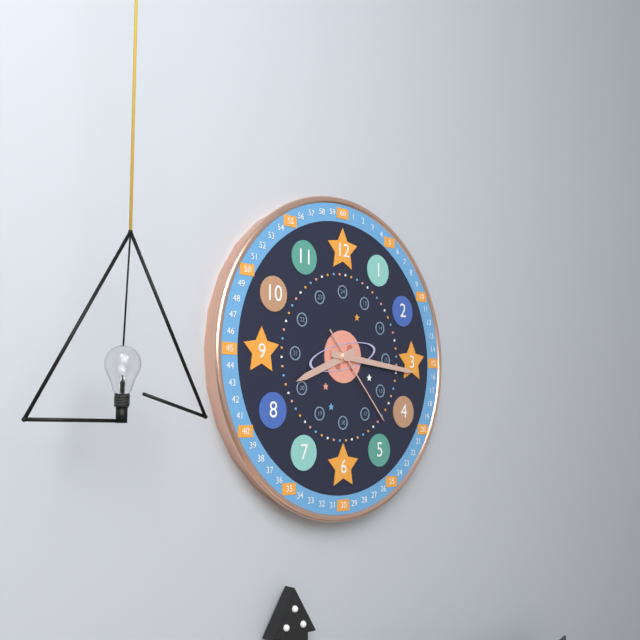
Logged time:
8h16m23s
